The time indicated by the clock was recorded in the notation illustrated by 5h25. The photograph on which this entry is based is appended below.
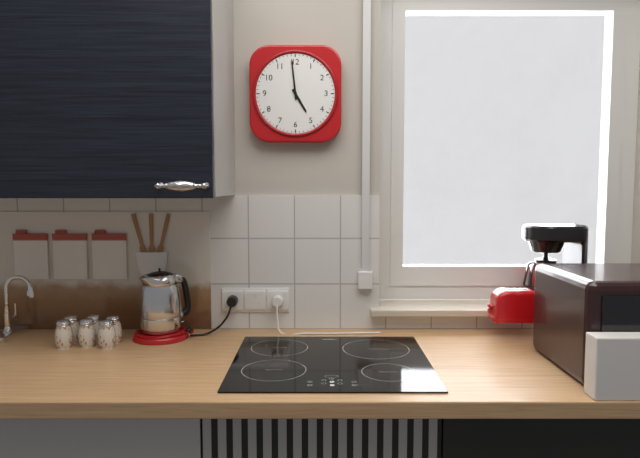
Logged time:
4h59
